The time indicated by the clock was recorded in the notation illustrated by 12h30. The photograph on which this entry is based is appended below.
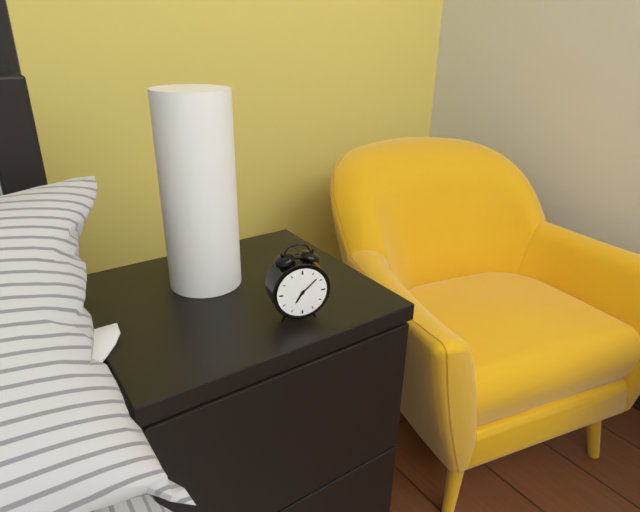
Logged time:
7h08
